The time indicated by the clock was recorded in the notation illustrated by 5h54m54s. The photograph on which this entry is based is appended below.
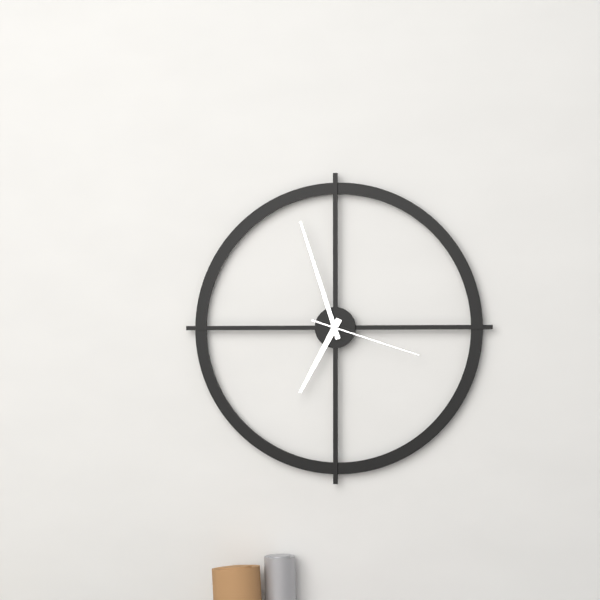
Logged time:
6h57m18s
